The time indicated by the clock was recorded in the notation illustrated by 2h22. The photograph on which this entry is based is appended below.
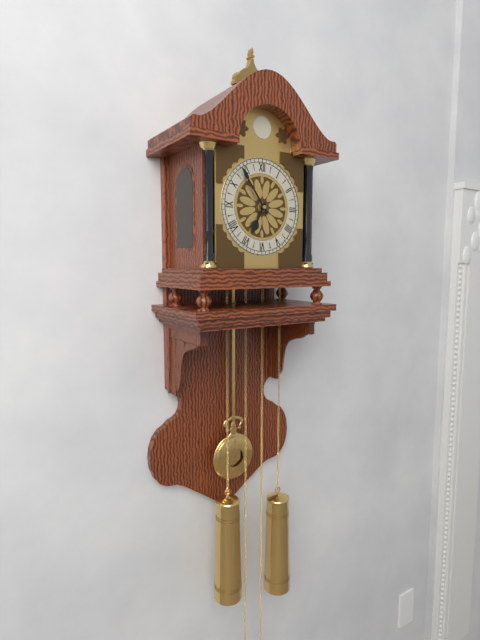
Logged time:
6h54
